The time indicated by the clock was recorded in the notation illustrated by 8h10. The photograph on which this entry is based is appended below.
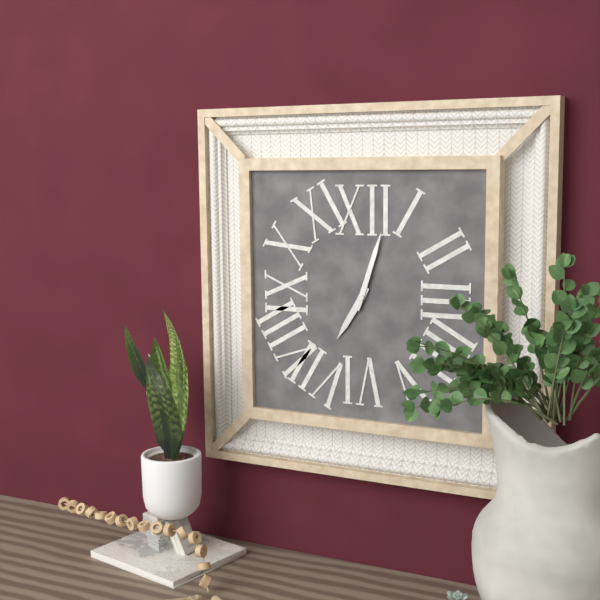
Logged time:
7h03
